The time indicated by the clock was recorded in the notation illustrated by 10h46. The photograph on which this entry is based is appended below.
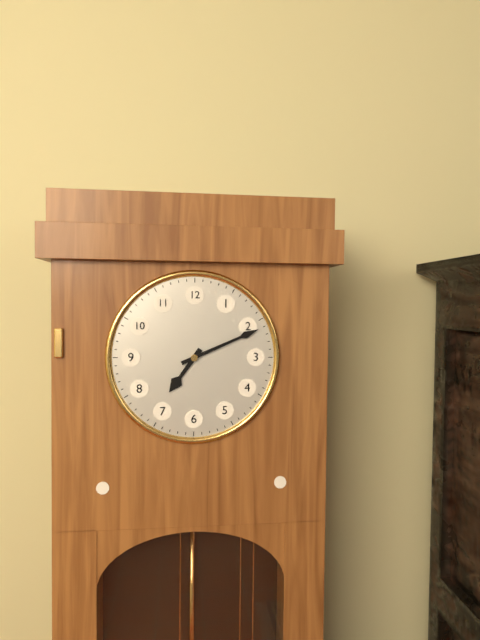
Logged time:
7h11
